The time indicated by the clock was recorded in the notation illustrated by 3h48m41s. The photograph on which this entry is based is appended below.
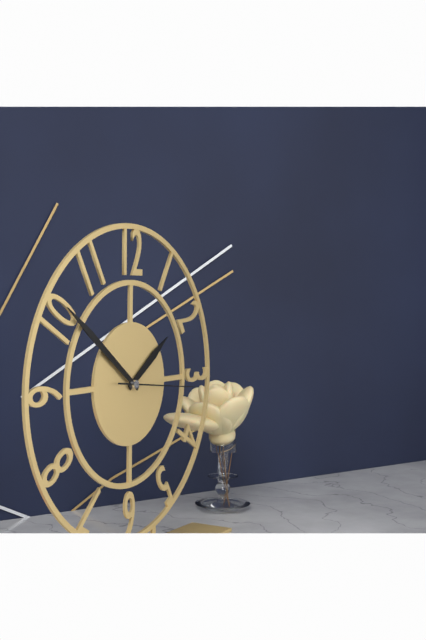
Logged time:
1h51m16s
